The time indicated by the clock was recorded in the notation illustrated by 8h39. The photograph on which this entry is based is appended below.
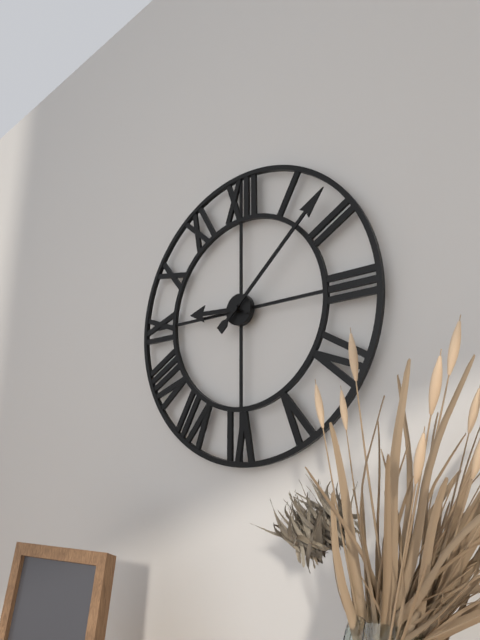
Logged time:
9h08
